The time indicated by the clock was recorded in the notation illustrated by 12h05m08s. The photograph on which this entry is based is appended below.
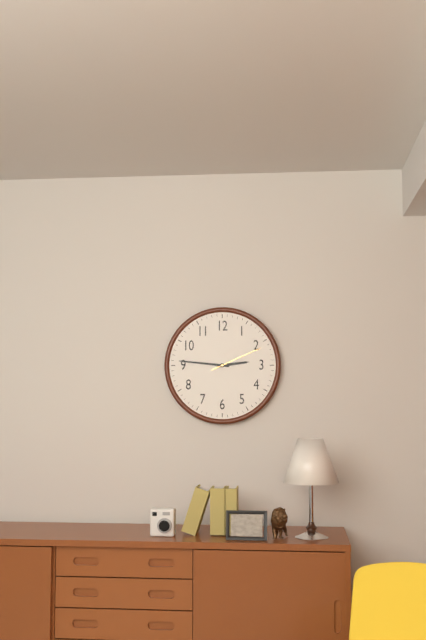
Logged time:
2h46m11s
